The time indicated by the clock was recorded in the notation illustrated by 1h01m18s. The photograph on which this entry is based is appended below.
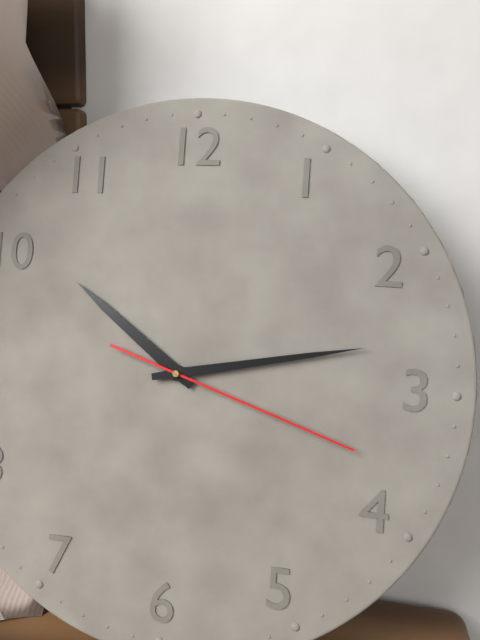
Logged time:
10h13m18s
